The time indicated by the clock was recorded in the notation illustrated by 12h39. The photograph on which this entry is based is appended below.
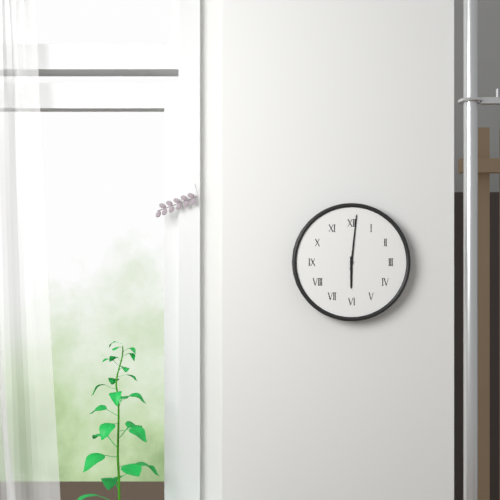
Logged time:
6h01
